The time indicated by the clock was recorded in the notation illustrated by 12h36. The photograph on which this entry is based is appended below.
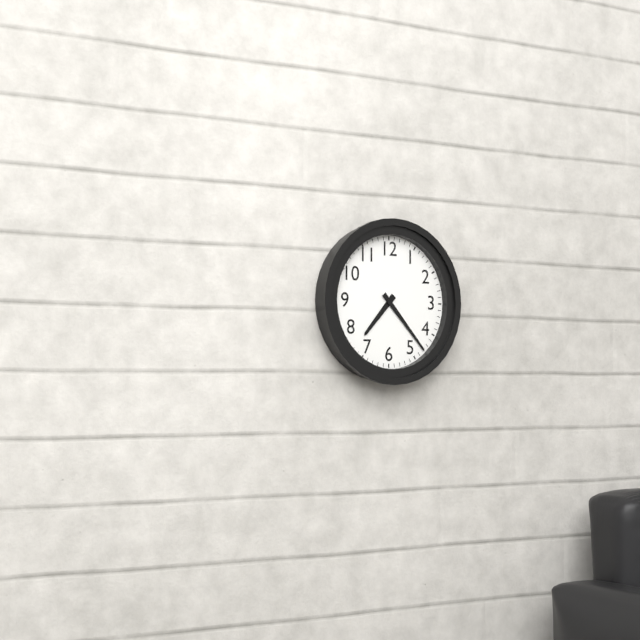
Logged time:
7h23
